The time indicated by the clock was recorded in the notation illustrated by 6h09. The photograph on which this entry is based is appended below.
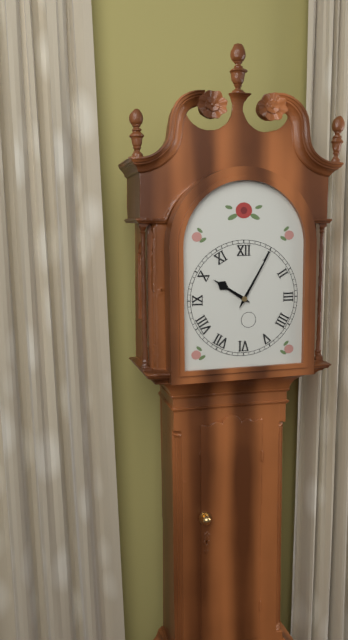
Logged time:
10h05
